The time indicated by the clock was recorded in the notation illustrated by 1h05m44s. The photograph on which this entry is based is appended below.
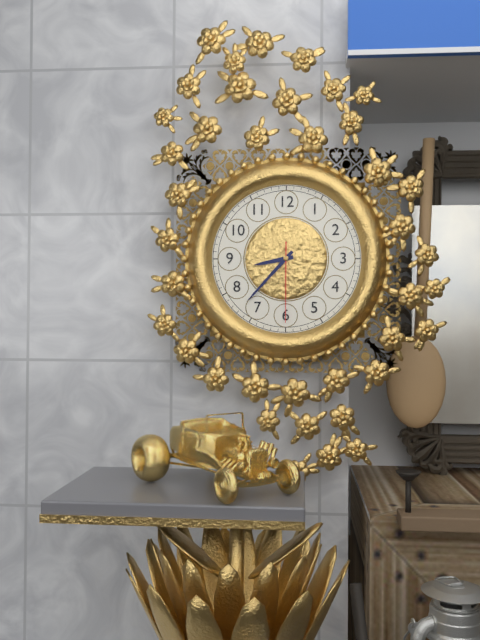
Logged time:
8h37m30s
